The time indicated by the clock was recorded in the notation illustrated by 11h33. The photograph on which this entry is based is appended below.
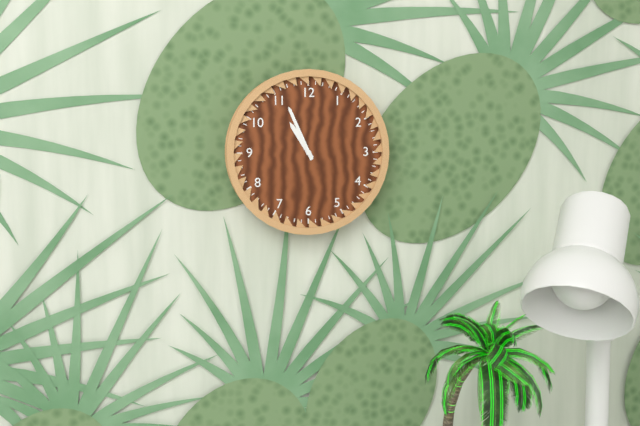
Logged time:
10h56
